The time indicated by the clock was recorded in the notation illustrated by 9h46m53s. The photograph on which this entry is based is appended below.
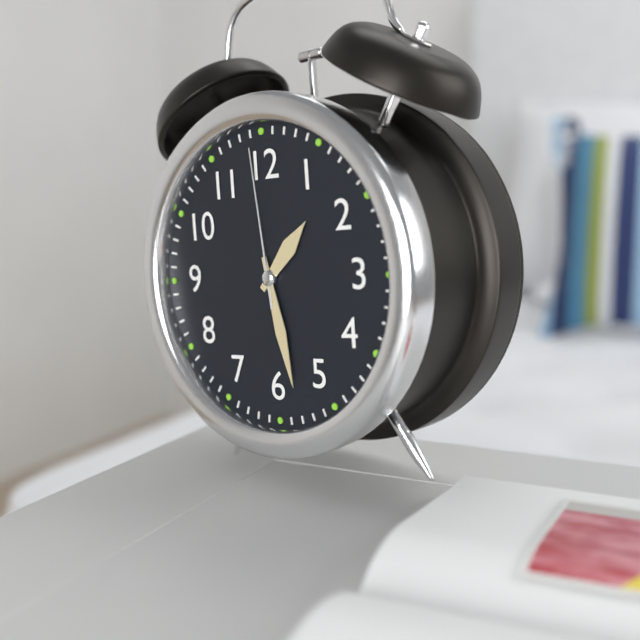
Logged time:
1h28m59s
